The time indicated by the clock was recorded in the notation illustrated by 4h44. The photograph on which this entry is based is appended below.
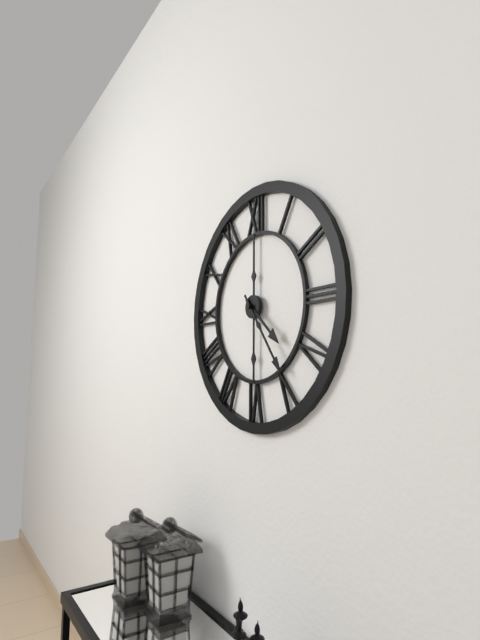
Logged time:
4h24
